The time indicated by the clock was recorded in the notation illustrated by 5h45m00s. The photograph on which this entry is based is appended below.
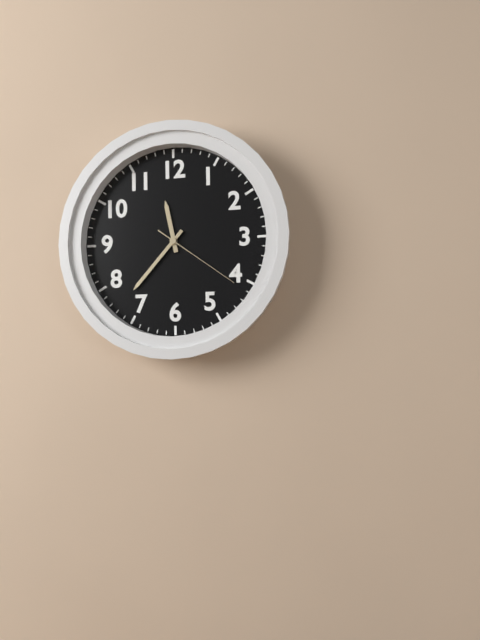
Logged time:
11h37m21s
